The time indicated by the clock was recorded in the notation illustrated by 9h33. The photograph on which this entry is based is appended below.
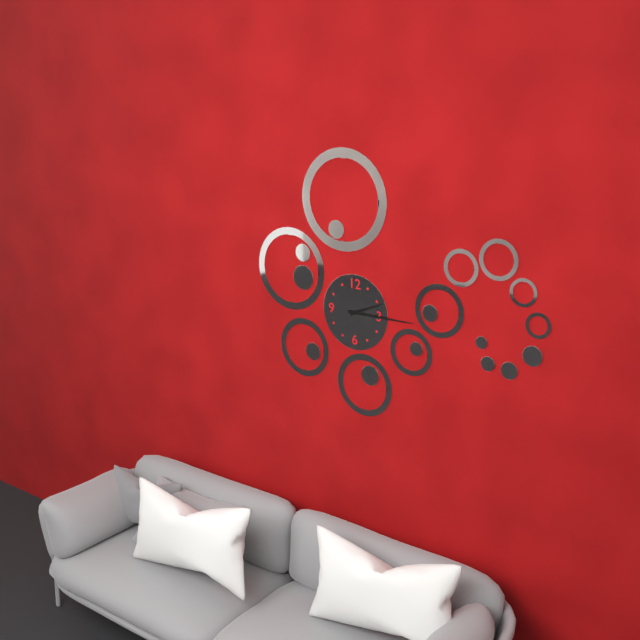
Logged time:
2h15
